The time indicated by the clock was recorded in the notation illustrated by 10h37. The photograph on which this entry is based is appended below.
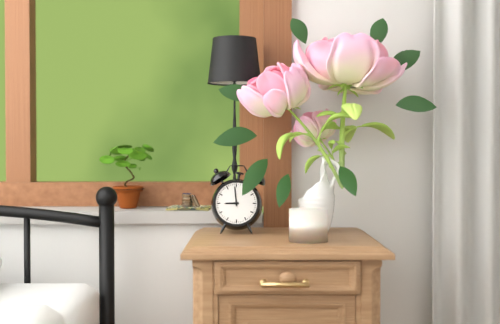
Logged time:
8h59
